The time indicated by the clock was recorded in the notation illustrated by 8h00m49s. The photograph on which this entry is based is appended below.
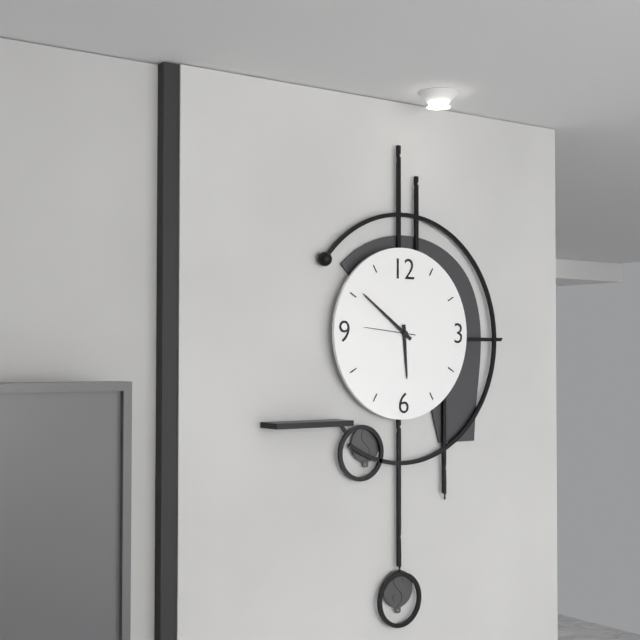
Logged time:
5h51m46s
